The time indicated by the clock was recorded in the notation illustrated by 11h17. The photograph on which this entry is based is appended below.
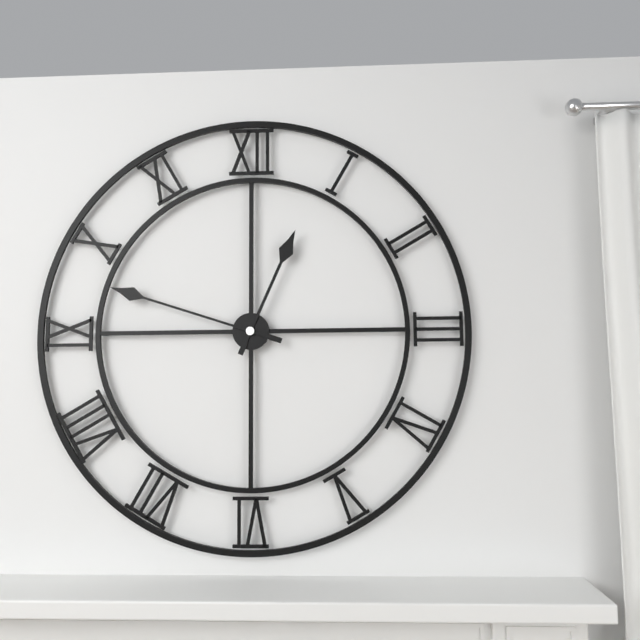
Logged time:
12h48
